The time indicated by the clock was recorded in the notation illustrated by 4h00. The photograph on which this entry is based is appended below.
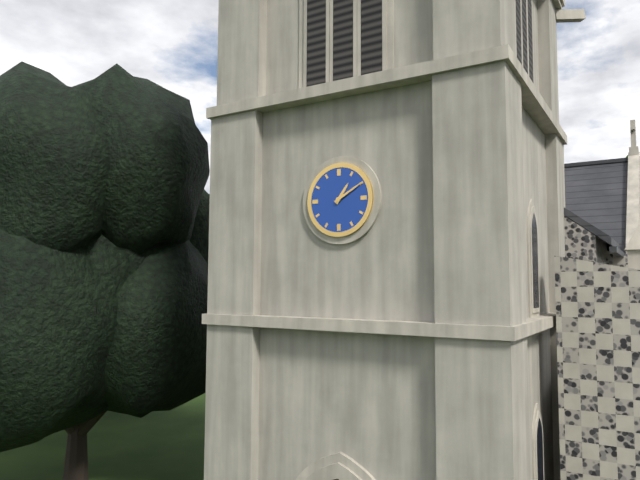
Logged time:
1h10
